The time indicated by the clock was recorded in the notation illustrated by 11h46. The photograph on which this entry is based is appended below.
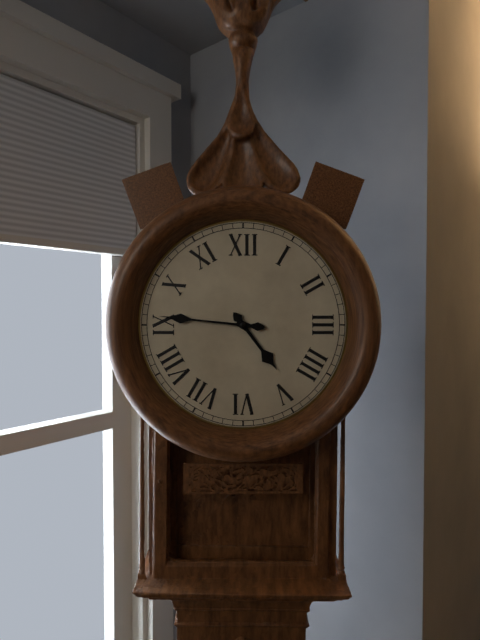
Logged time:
4h46
